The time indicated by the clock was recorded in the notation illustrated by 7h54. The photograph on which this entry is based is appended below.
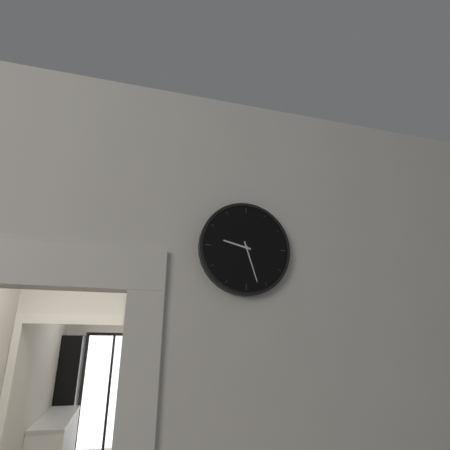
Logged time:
9h27
